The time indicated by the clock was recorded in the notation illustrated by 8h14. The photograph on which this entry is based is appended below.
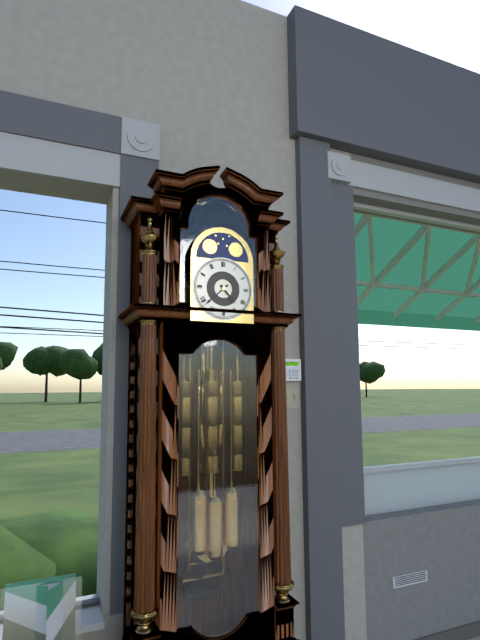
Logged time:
4h38
